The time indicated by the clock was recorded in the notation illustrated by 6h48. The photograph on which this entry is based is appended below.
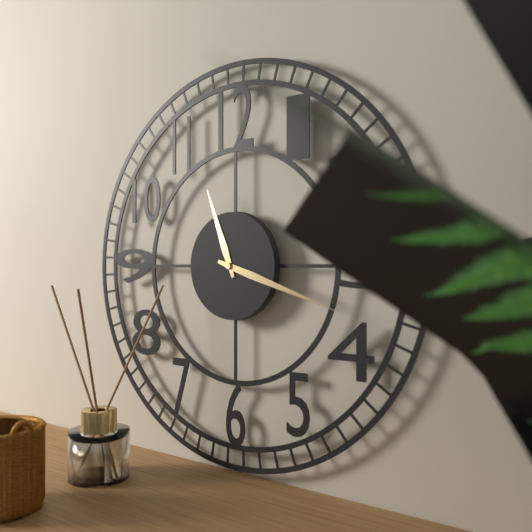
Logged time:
11h18
